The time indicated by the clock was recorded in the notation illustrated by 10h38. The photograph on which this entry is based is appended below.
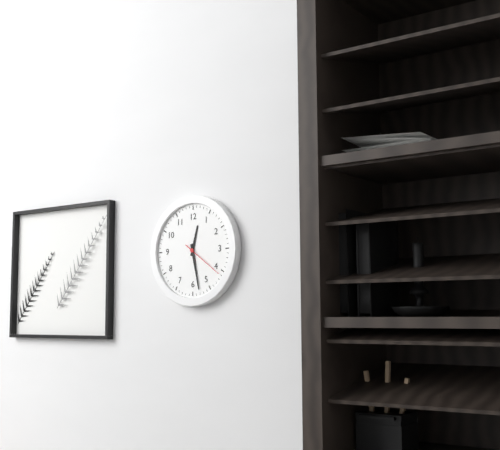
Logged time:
12h28
